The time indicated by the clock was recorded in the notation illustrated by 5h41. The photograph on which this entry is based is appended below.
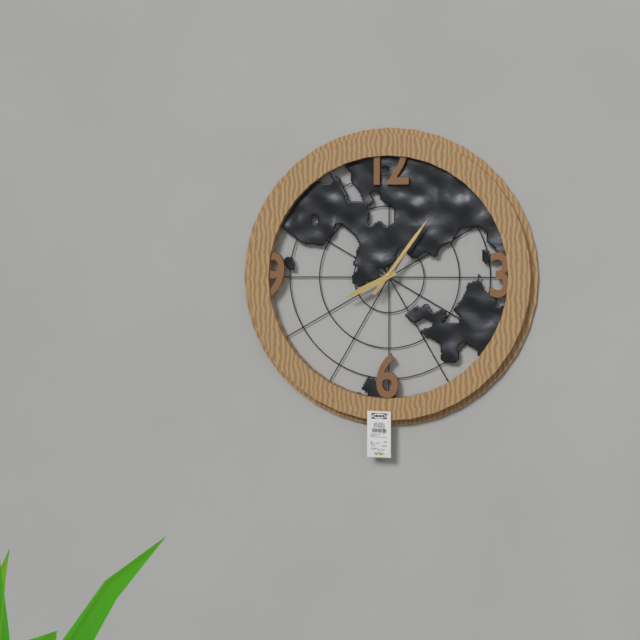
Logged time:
8h06
